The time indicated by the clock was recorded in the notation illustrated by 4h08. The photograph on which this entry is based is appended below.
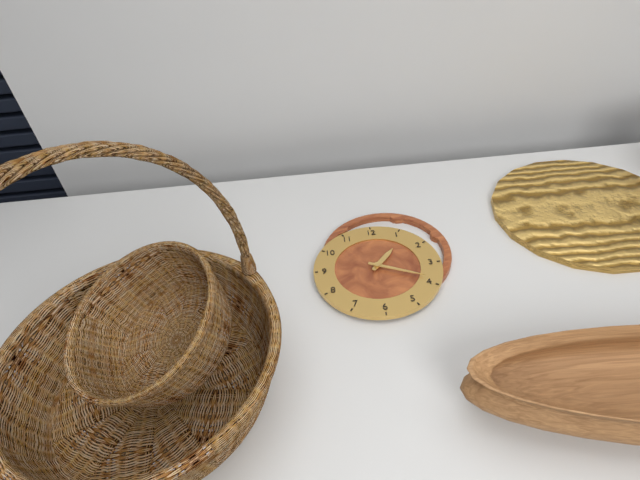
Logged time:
1h19
